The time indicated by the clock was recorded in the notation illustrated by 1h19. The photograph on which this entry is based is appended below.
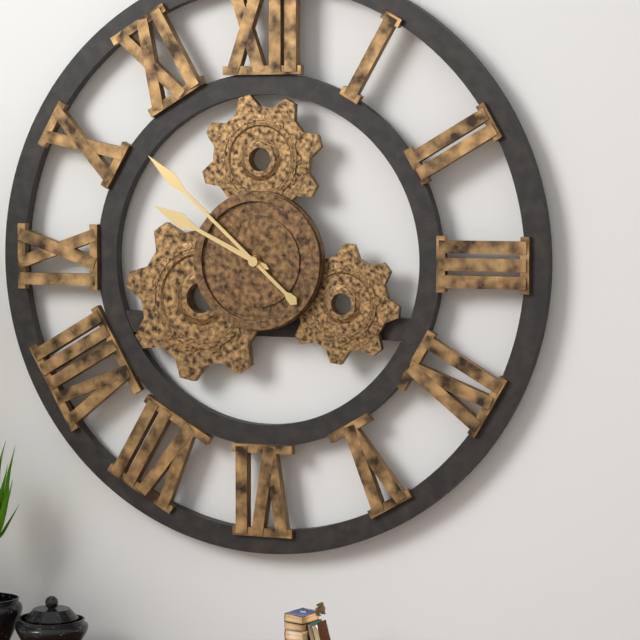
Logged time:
9h52
